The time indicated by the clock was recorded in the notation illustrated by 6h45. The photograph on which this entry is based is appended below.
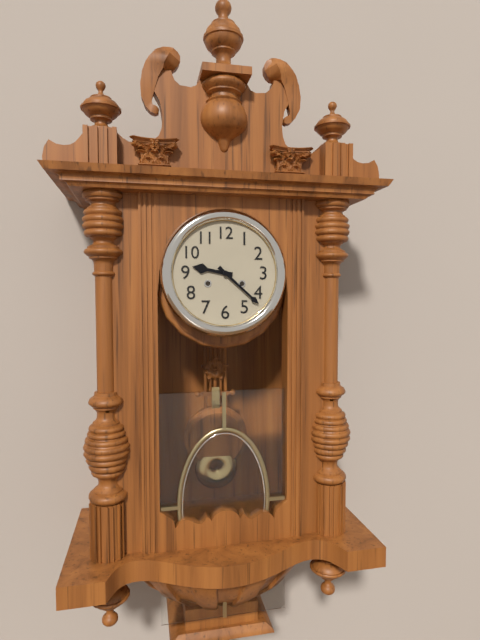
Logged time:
9h22
